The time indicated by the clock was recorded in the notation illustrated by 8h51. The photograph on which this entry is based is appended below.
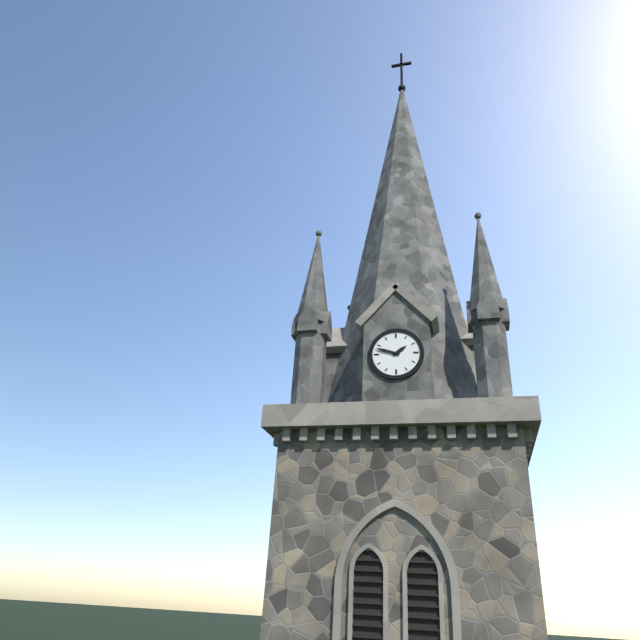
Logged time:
1h48
